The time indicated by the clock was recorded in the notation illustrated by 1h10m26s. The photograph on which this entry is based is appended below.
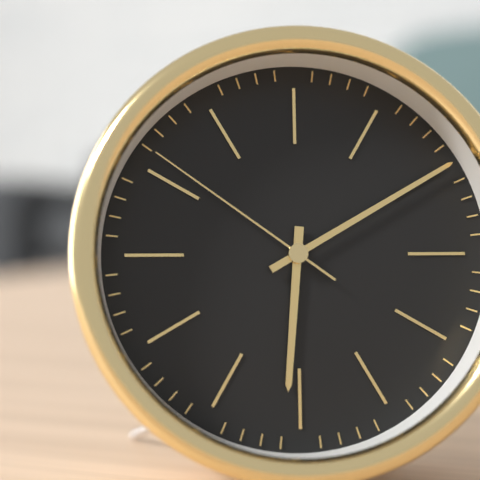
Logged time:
6h10m51s
